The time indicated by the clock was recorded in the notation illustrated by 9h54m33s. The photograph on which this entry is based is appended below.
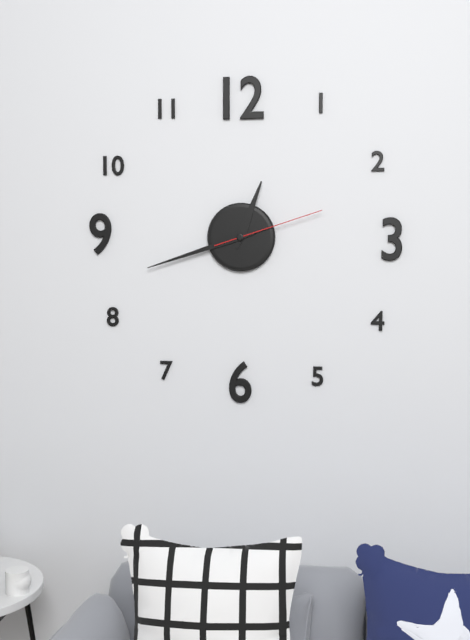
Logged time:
12h42m12s
